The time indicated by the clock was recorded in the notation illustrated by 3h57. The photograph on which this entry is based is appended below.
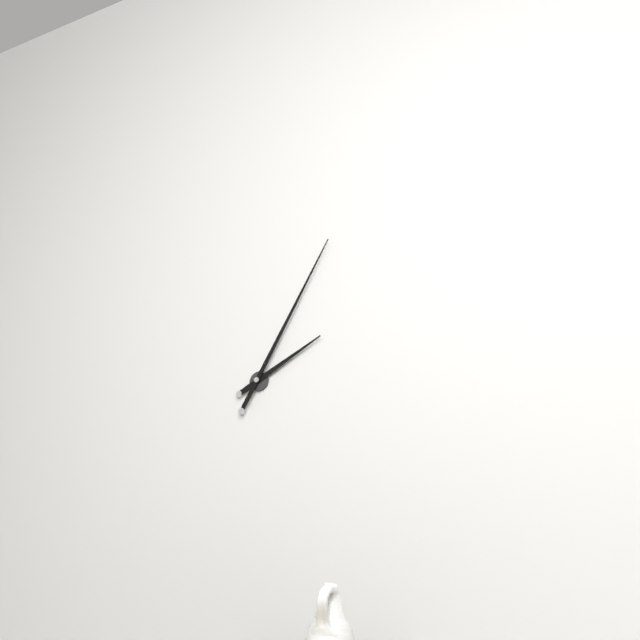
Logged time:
2h05
